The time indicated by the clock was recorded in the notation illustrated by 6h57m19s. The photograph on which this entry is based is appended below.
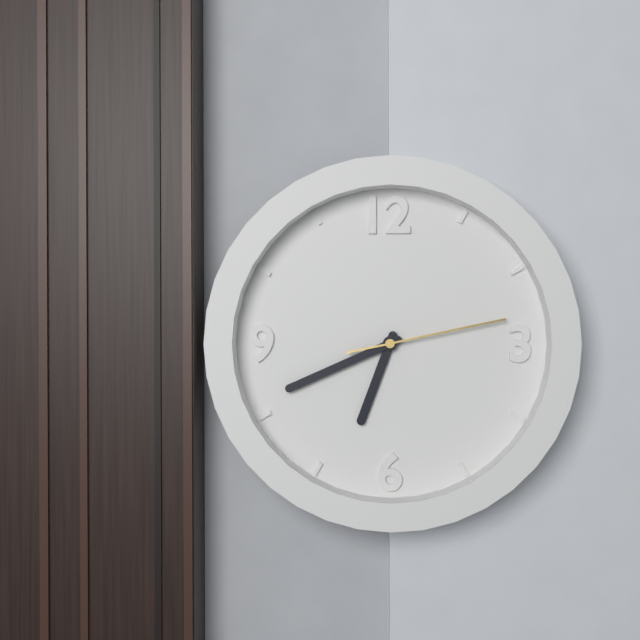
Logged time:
6h41m13s
